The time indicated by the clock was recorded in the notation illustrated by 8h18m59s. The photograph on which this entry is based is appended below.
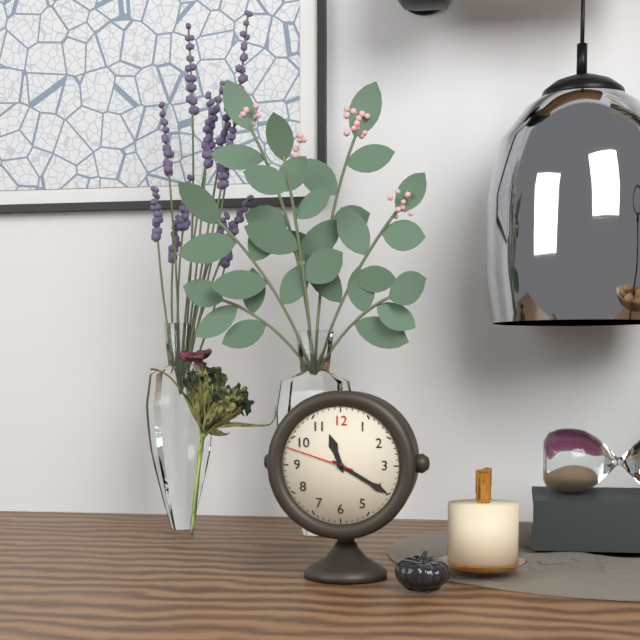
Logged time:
11h20m48s
